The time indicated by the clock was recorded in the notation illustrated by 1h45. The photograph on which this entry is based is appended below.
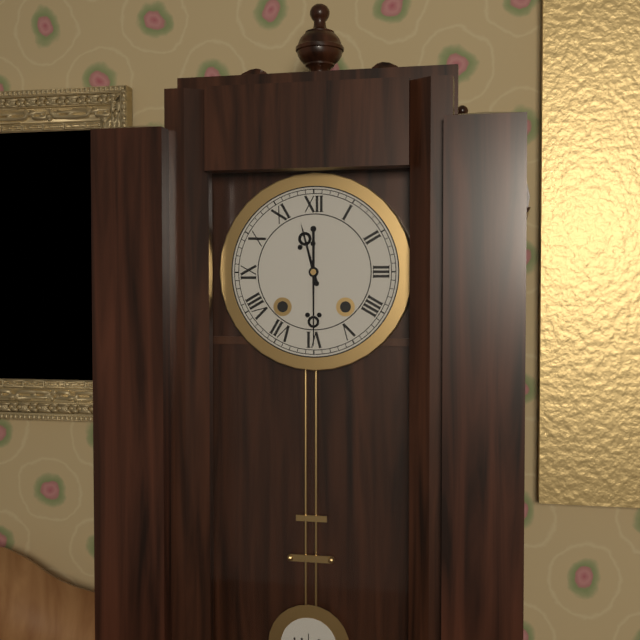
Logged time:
11h30
